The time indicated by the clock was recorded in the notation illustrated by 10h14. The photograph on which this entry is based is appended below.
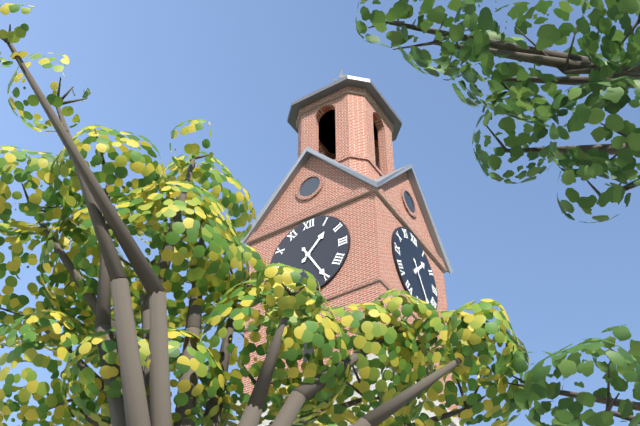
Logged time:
1h25
